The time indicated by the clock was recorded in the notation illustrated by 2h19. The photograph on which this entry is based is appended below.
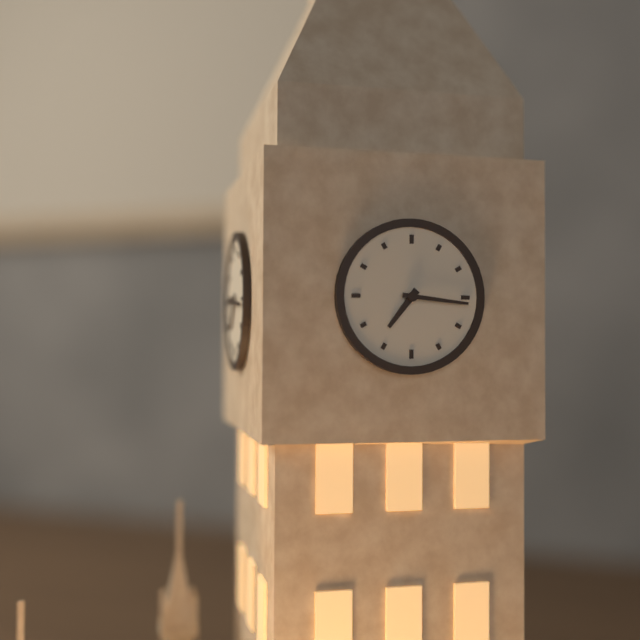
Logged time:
7h16
